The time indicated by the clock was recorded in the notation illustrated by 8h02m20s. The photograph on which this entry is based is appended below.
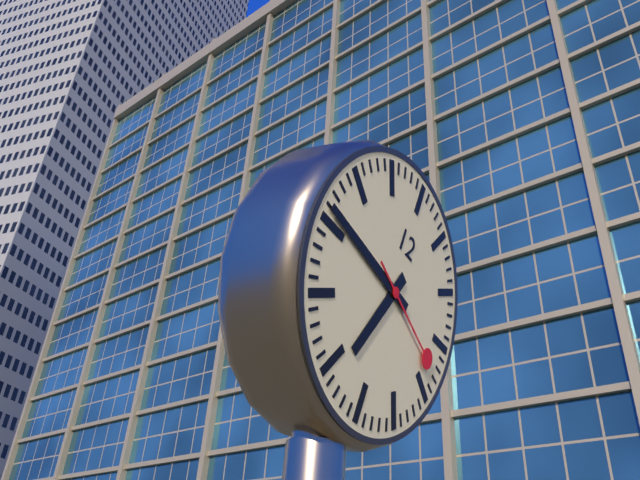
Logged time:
6h46m18s
